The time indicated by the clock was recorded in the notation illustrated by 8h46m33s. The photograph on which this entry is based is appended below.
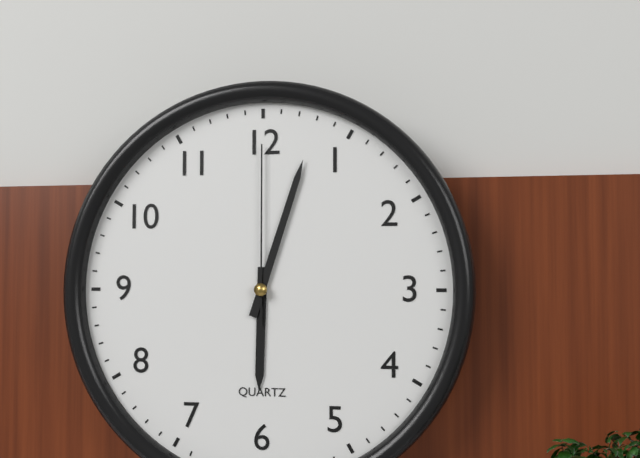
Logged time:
6h03m00s
